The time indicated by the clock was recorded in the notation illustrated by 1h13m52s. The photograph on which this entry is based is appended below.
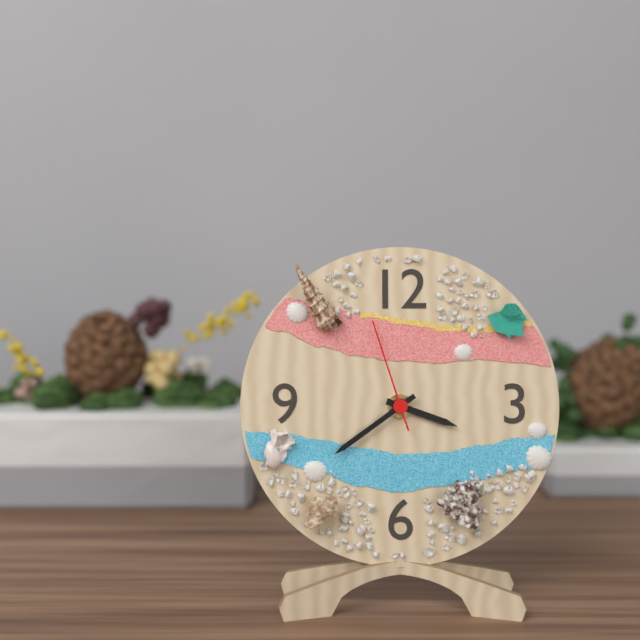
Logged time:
3h39m57s
